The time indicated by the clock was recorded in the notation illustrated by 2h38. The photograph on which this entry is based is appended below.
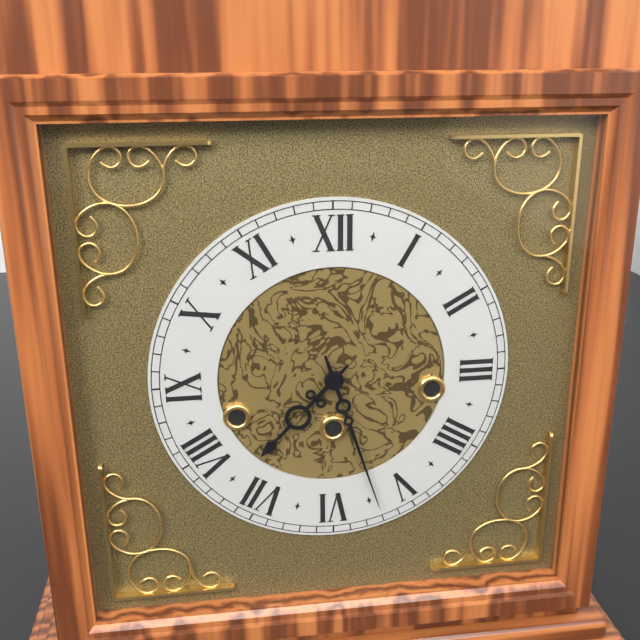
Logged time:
7h27
